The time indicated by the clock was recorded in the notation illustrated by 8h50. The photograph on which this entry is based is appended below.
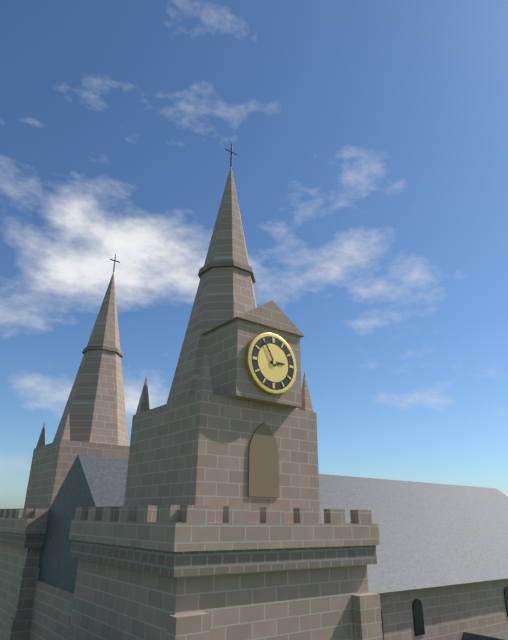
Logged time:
2h55
